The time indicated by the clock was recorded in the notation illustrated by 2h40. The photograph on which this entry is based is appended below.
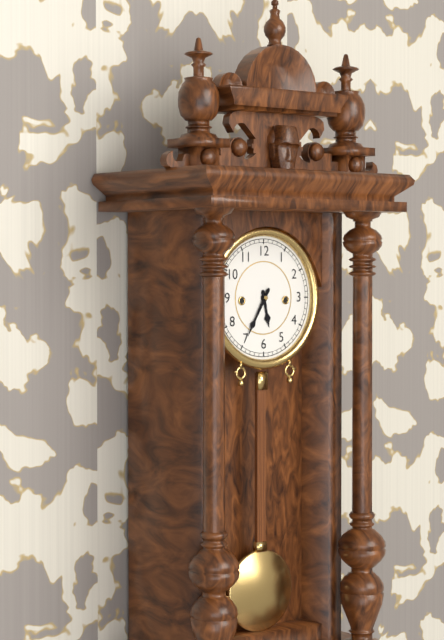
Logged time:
5h35
